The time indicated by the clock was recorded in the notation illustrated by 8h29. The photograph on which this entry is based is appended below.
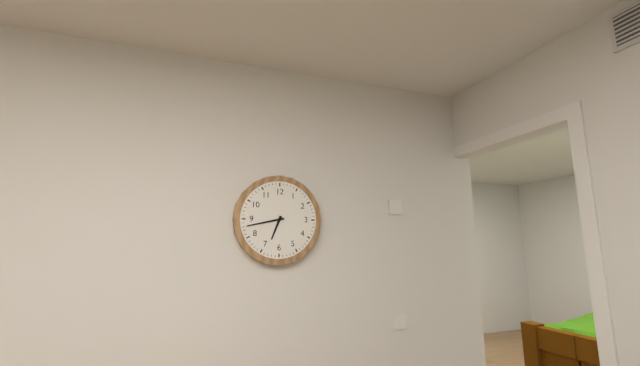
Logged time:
6h43
